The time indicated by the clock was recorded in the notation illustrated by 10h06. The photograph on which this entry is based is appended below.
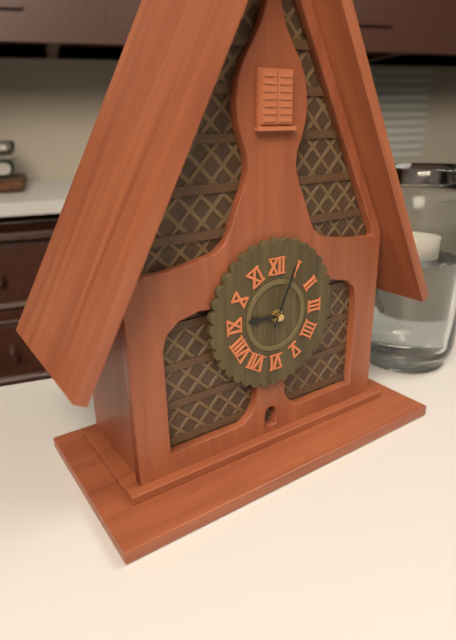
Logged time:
9h04
